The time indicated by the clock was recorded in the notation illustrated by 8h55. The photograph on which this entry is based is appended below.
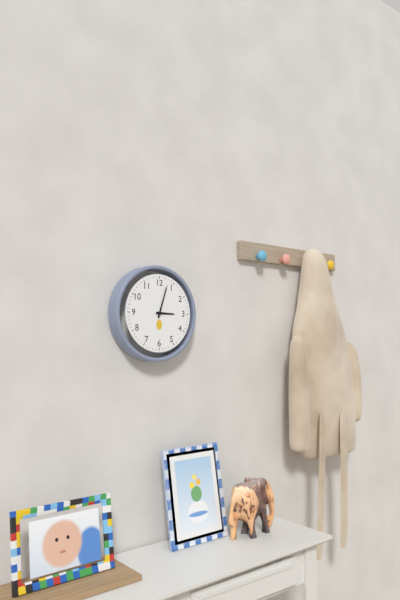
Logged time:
3h03
